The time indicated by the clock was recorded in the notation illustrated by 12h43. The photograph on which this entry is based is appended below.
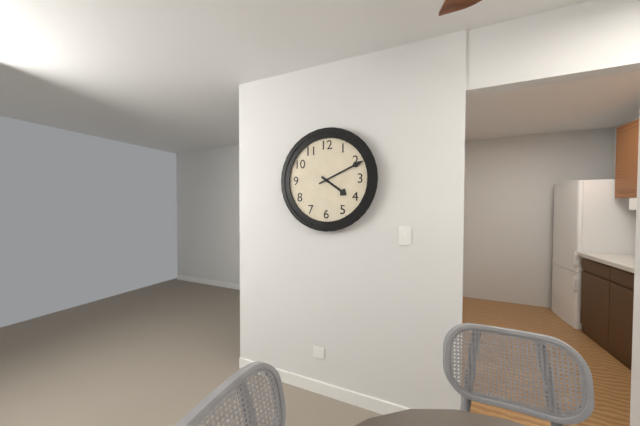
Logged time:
4h11
